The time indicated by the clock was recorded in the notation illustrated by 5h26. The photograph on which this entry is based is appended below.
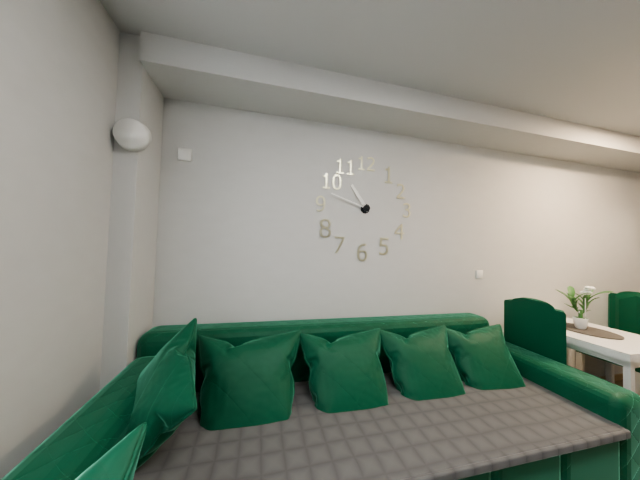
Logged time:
10h48
